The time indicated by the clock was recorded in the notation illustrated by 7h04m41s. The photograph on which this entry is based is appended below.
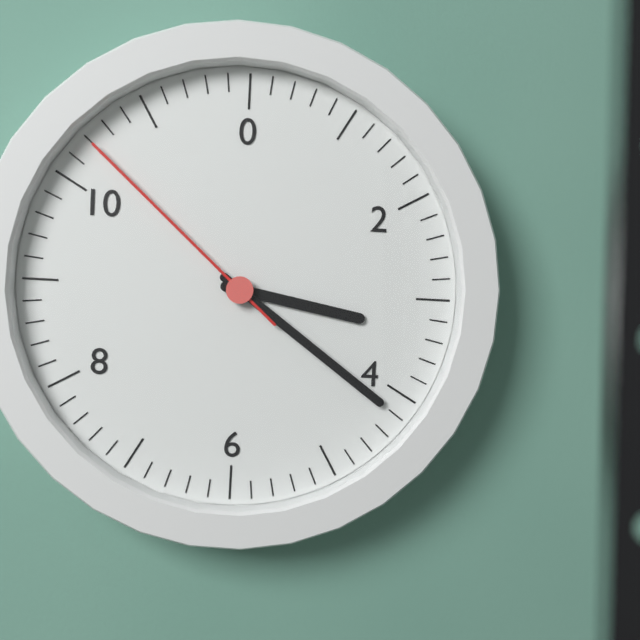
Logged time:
3h21m52s
